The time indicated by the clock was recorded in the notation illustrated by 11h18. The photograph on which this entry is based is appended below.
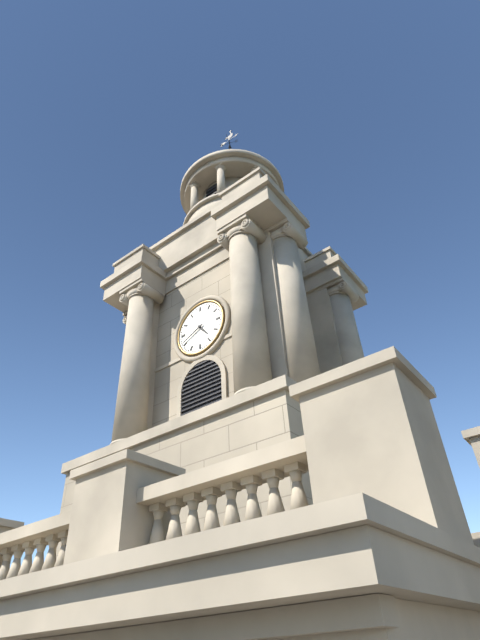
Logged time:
4h41
